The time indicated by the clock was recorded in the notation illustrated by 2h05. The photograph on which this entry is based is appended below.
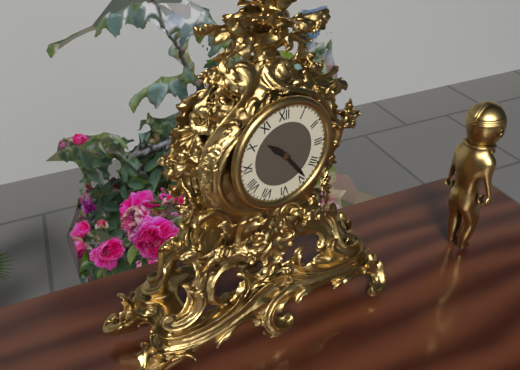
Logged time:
10h24
